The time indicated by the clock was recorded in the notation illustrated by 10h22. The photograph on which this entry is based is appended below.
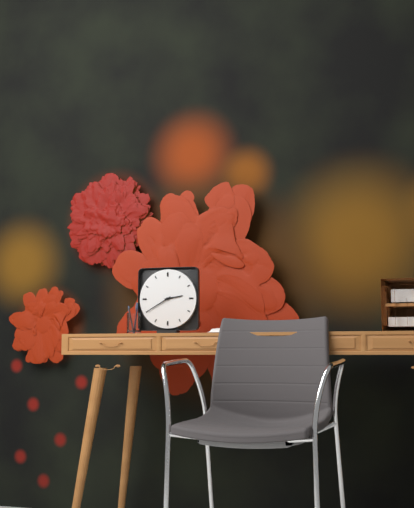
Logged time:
2h40
